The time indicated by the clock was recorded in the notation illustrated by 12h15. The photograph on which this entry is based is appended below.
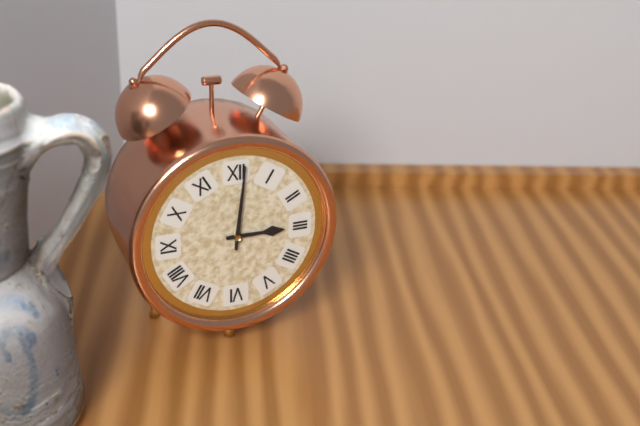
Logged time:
3h01
